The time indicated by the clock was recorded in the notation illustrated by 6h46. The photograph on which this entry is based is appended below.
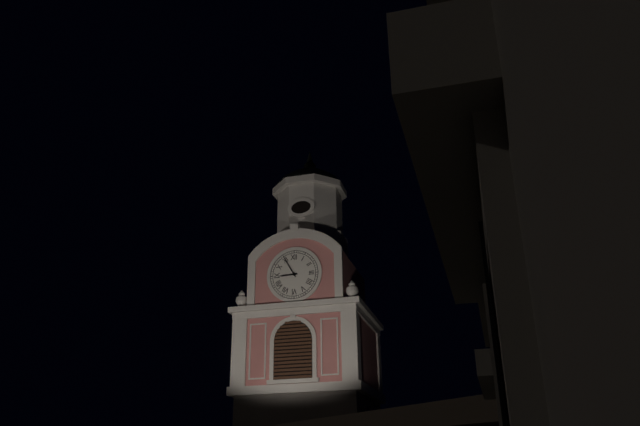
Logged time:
8h55
